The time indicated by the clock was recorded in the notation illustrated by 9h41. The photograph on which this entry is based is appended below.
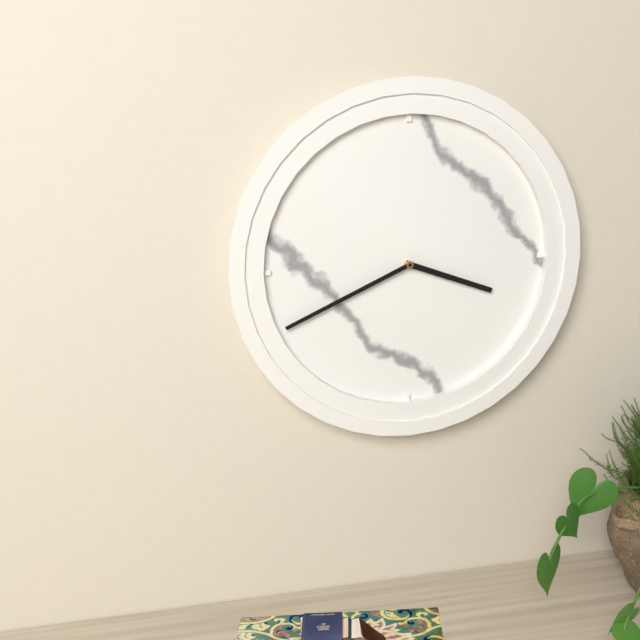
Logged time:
3h41
